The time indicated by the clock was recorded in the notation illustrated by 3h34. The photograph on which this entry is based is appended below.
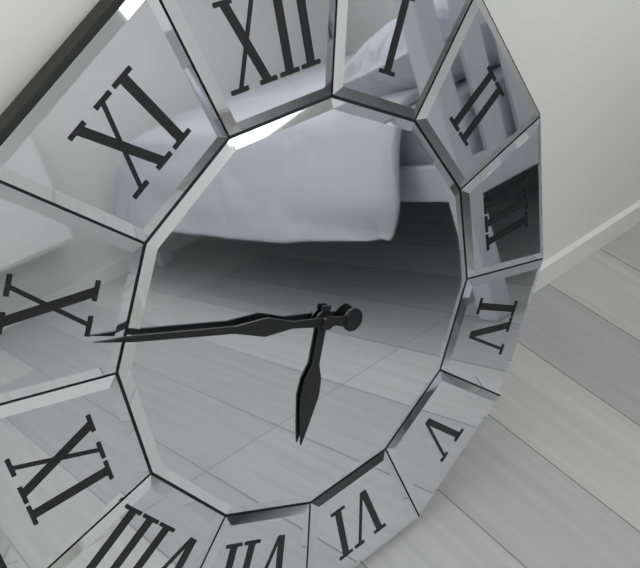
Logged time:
6h49
